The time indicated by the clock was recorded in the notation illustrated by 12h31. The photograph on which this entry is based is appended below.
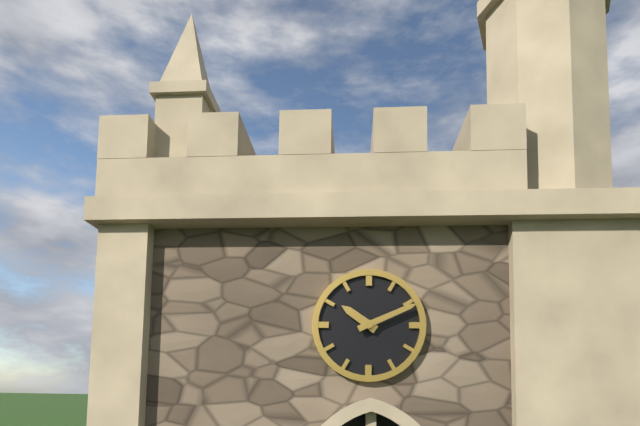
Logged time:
10h11
